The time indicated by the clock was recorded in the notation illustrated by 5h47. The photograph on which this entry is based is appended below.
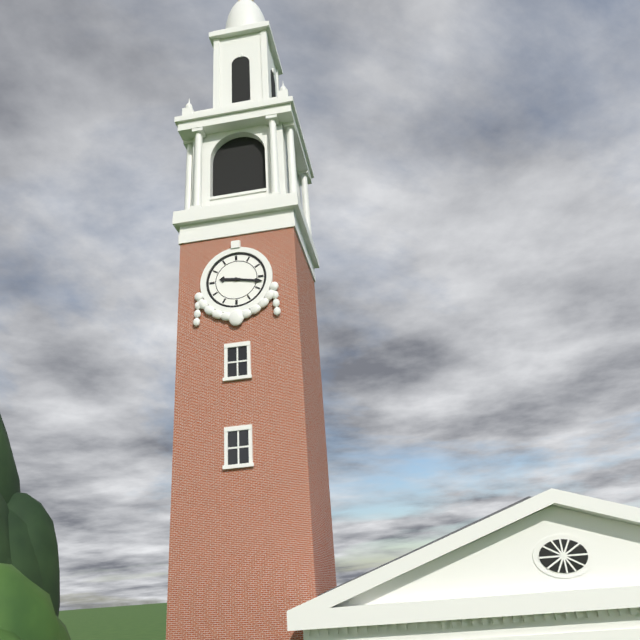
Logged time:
9h17
